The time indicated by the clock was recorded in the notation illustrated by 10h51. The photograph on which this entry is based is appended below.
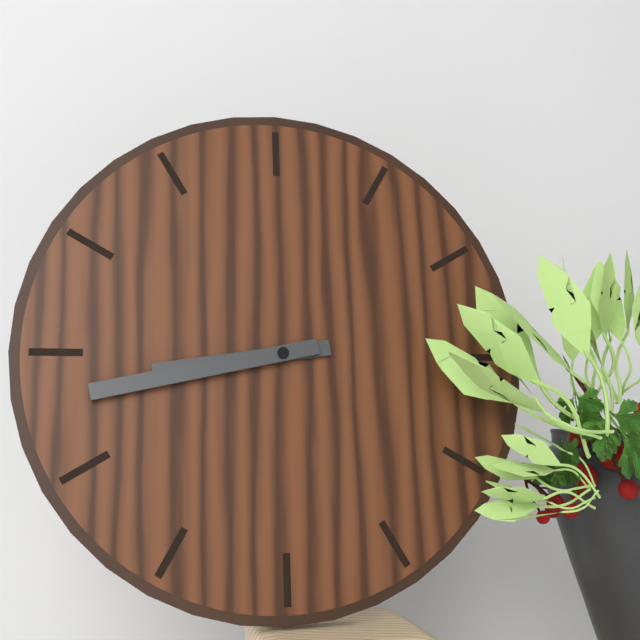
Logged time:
8h43
